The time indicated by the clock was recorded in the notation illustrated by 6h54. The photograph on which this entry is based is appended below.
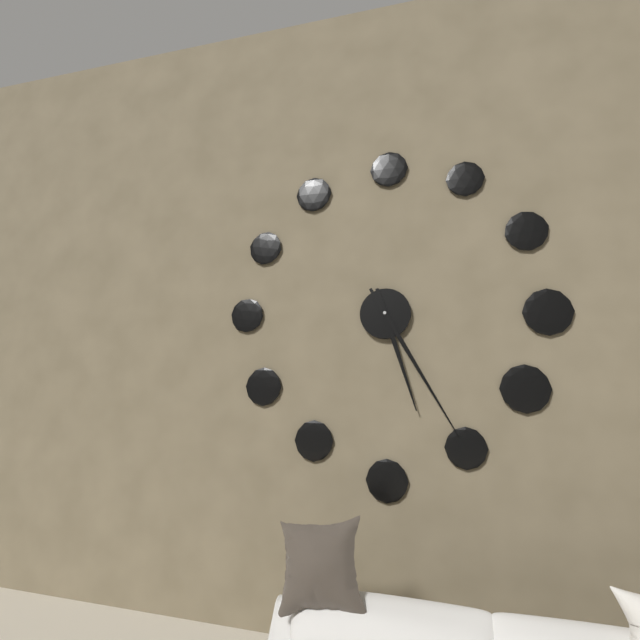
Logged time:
5h25
